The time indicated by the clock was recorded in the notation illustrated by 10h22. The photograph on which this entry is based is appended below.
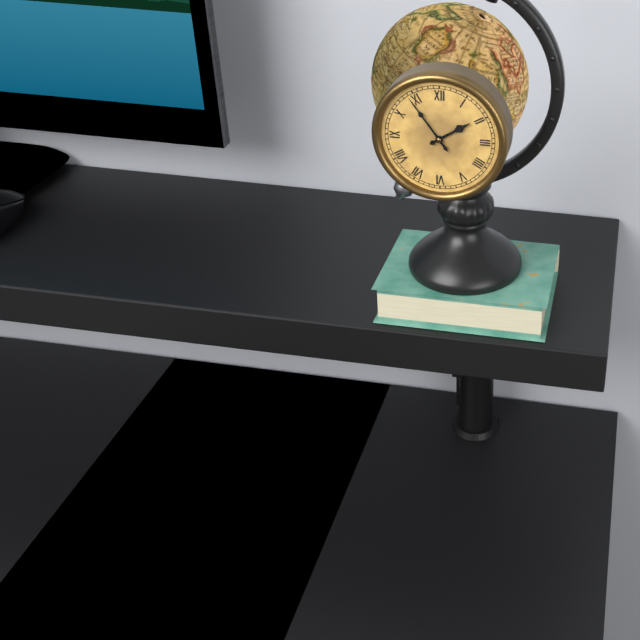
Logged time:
1h54
